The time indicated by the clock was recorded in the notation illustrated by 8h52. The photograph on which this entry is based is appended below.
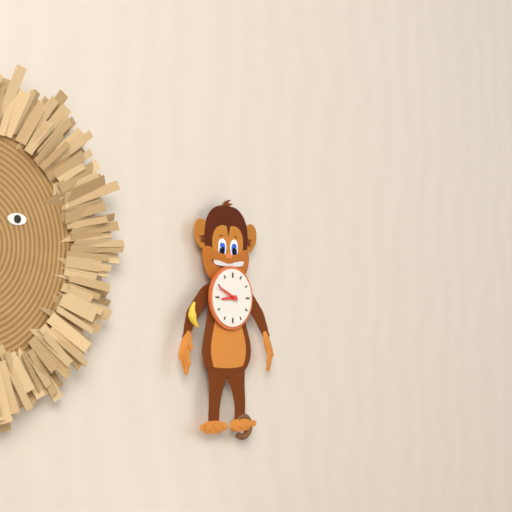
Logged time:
8h49
